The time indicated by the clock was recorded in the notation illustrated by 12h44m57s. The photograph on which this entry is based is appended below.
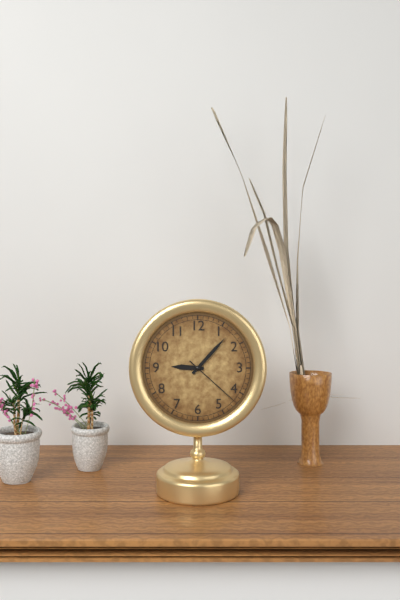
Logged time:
9h07m22s
